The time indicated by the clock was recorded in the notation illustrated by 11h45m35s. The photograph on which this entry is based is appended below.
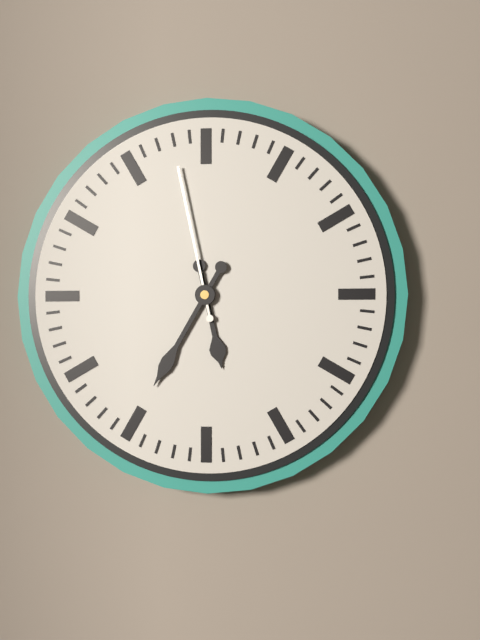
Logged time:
5h35m58s
